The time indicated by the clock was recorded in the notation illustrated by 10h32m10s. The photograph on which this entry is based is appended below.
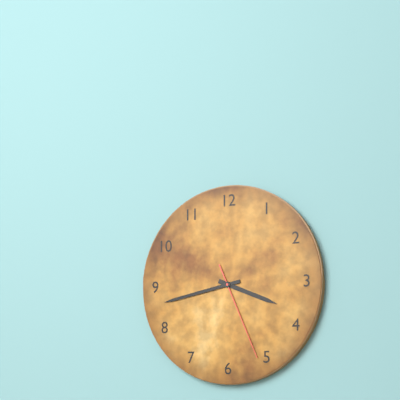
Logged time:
3h43m26s
